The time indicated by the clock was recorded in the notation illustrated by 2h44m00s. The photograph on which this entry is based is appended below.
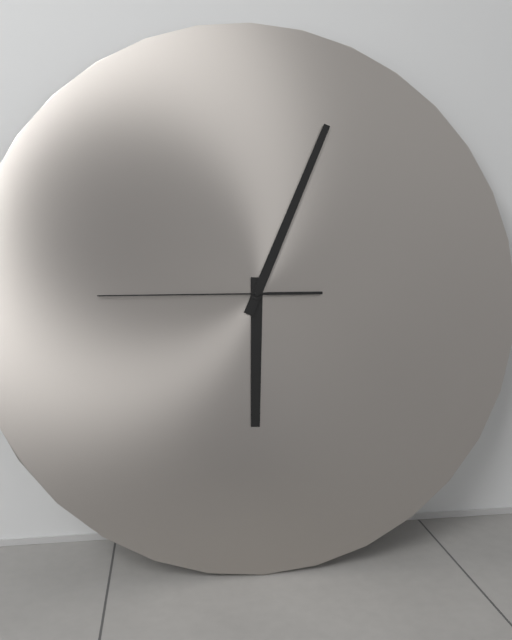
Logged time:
6h04m45s
